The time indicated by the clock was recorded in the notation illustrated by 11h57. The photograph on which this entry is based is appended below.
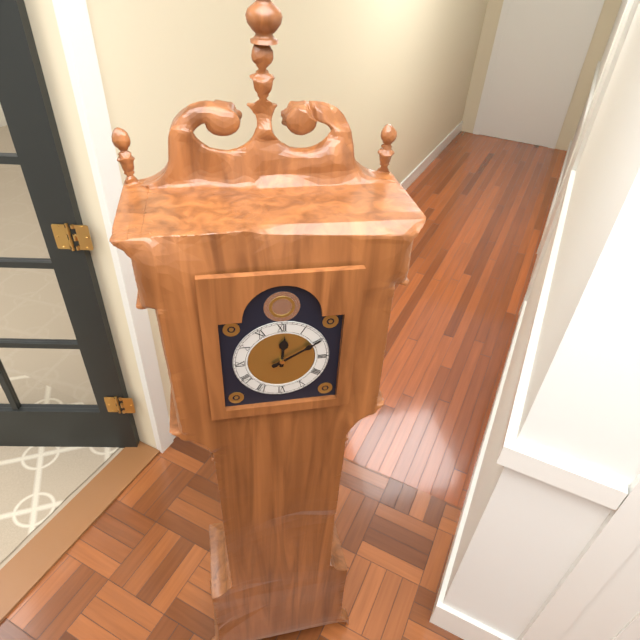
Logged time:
12h10
